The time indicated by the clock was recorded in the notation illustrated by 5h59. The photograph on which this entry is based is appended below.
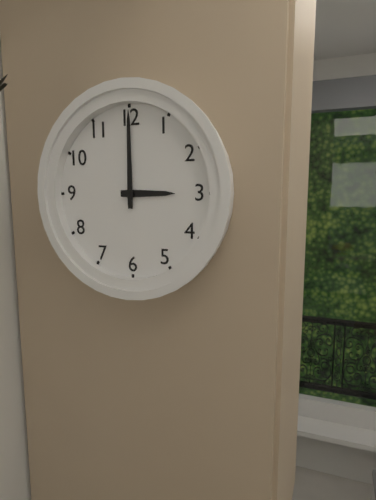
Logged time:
3h00
